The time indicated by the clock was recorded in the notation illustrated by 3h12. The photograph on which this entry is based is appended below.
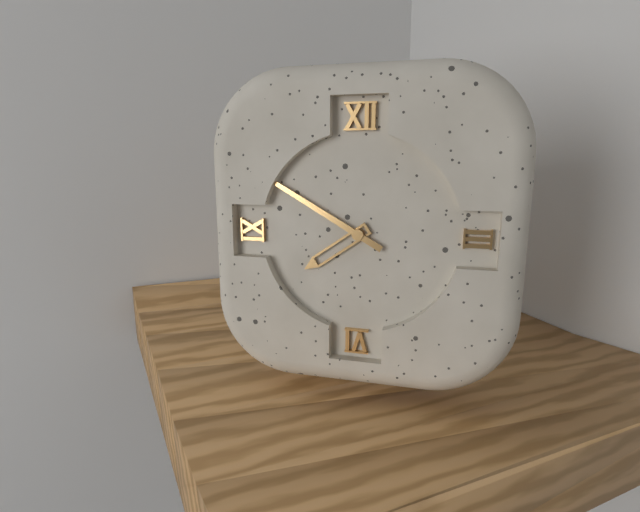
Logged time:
7h50
